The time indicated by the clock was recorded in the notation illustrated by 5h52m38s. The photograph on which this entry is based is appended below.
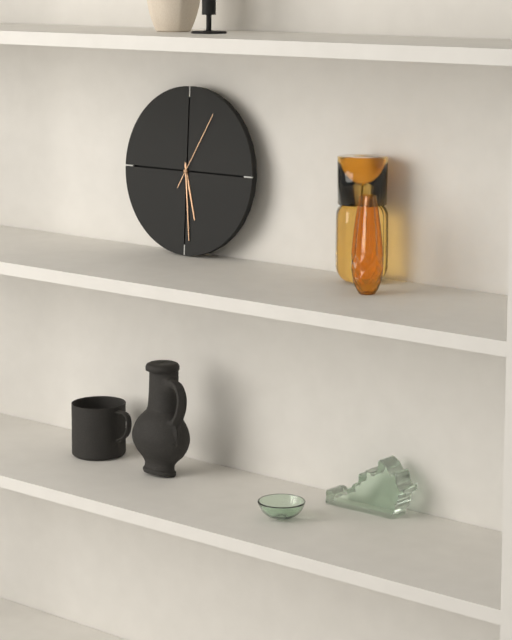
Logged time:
5h29m05s
